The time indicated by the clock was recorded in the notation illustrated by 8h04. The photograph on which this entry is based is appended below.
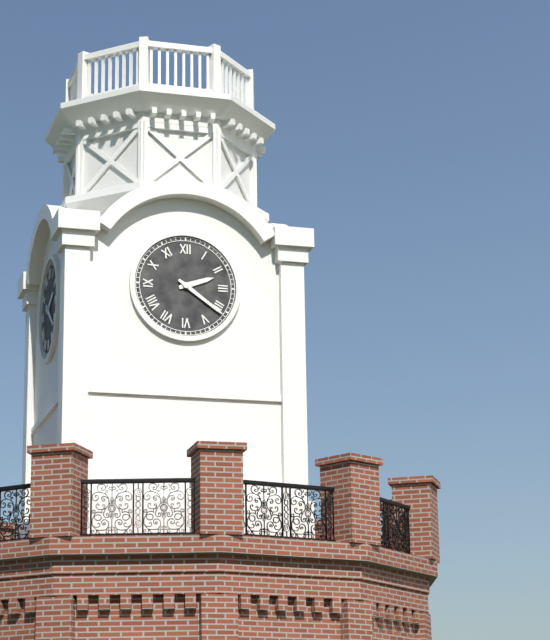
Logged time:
2h21
